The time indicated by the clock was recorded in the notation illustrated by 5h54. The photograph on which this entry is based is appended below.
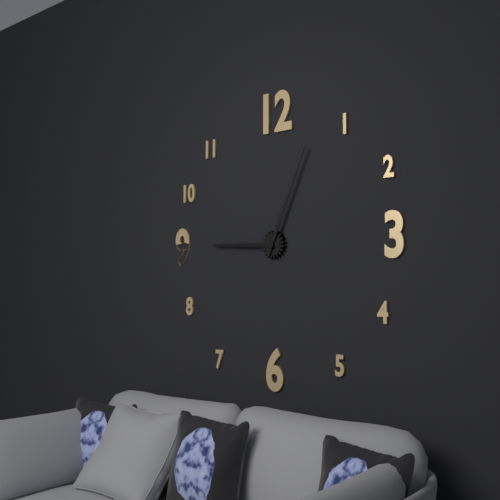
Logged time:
9h04
